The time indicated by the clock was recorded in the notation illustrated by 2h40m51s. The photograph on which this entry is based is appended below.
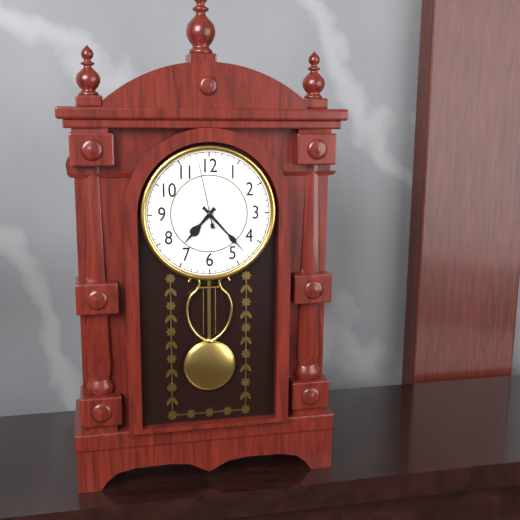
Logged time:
7h23m58s
